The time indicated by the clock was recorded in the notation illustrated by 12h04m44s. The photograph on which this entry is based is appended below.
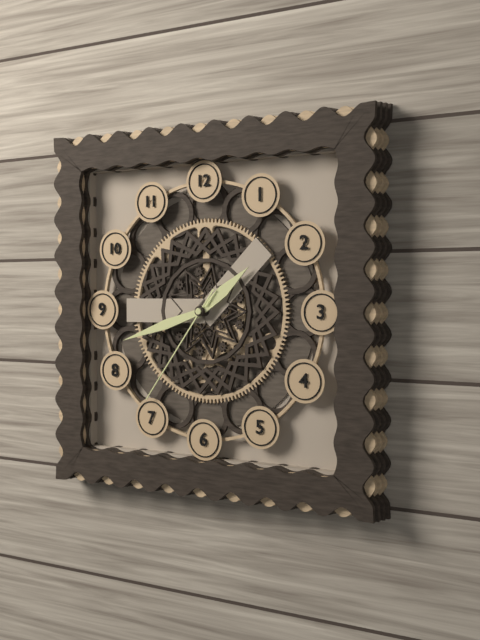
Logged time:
1h42m36s
